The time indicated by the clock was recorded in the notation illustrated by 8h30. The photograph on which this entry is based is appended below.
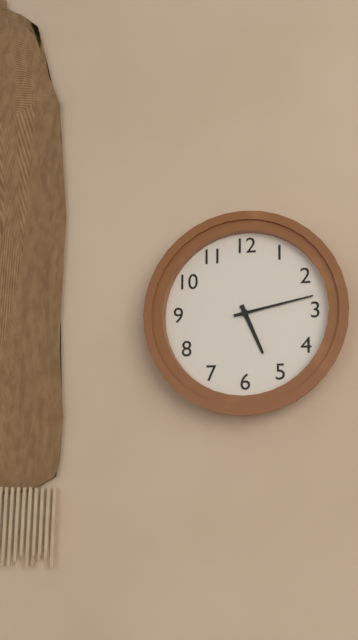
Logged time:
5h13
